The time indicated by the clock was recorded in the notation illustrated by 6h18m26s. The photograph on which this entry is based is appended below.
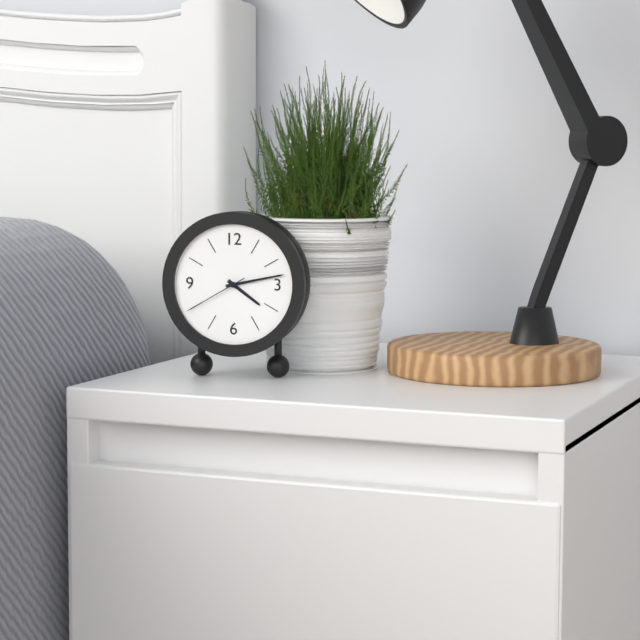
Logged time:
4h13m40s
